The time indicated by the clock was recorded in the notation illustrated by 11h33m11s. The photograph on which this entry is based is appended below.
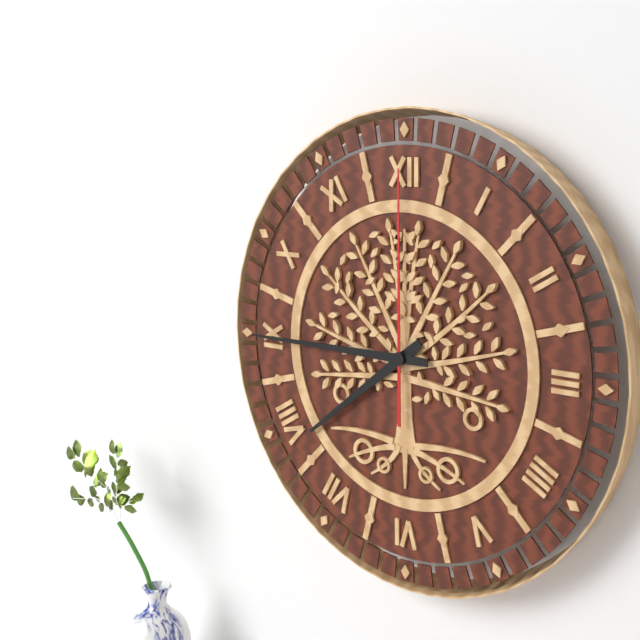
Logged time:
7h45m00s
